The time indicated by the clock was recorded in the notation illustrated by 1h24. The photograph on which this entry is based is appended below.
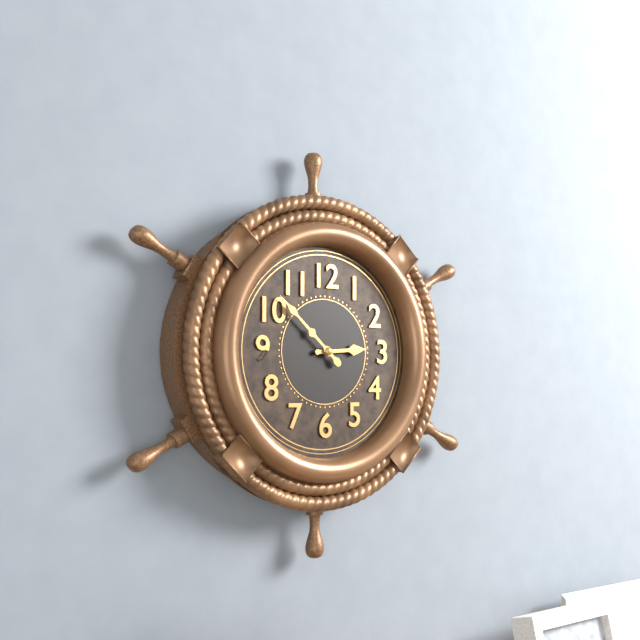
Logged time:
2h52
